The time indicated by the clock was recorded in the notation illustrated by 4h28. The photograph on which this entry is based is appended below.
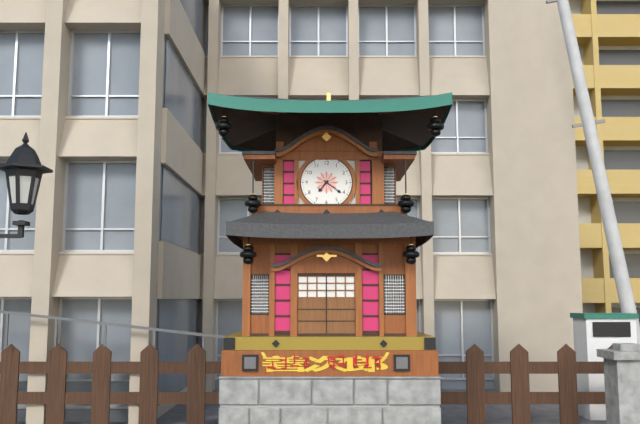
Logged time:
7h21
